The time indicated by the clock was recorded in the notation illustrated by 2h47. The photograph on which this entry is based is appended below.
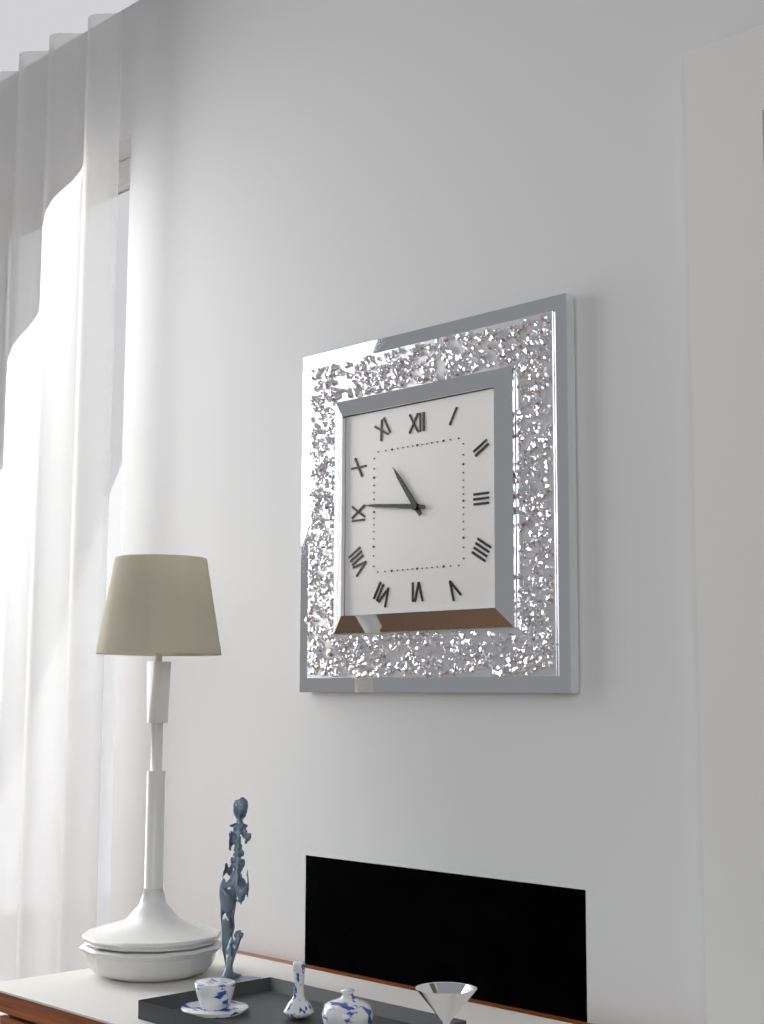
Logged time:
10h46
